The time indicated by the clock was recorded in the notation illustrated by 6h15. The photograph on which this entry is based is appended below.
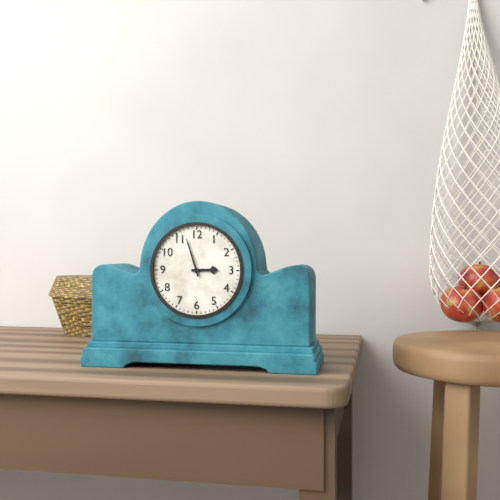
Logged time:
2h57
